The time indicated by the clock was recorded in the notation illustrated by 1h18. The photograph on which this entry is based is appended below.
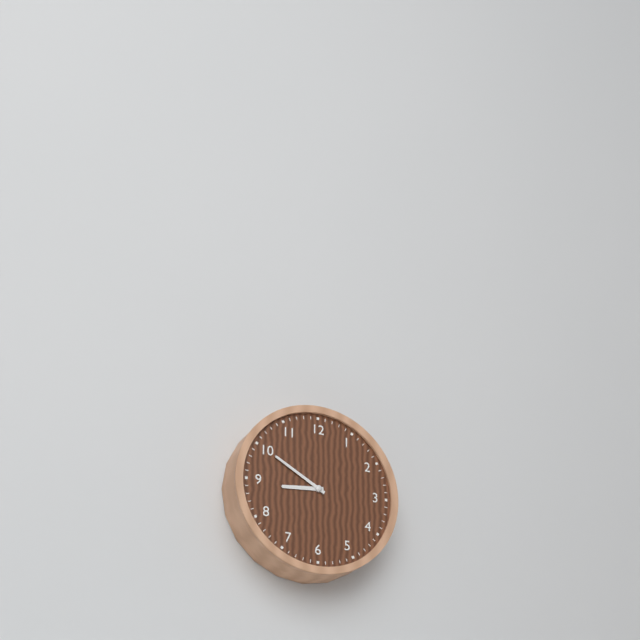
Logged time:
8h50
